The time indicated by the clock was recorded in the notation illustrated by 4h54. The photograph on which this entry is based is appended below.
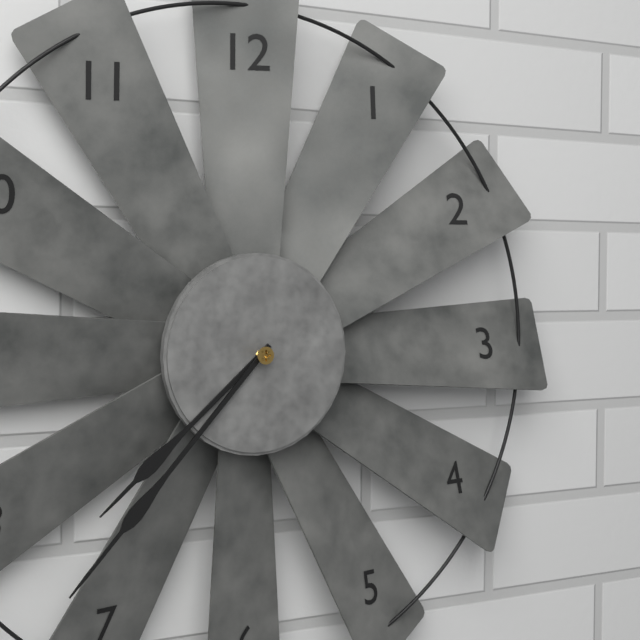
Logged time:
7h37
